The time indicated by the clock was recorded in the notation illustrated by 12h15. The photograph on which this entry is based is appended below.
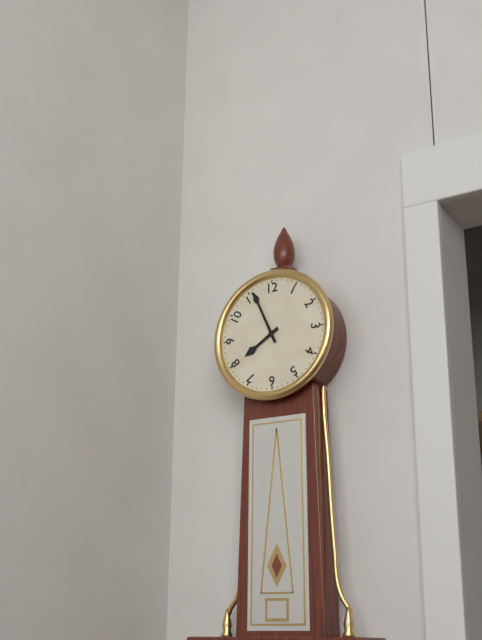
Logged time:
7h56
